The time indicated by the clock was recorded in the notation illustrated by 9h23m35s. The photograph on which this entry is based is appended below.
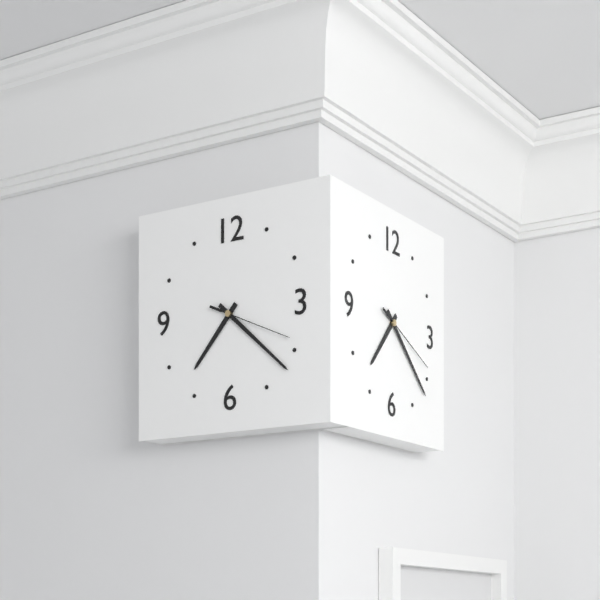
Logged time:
7h22m19s
